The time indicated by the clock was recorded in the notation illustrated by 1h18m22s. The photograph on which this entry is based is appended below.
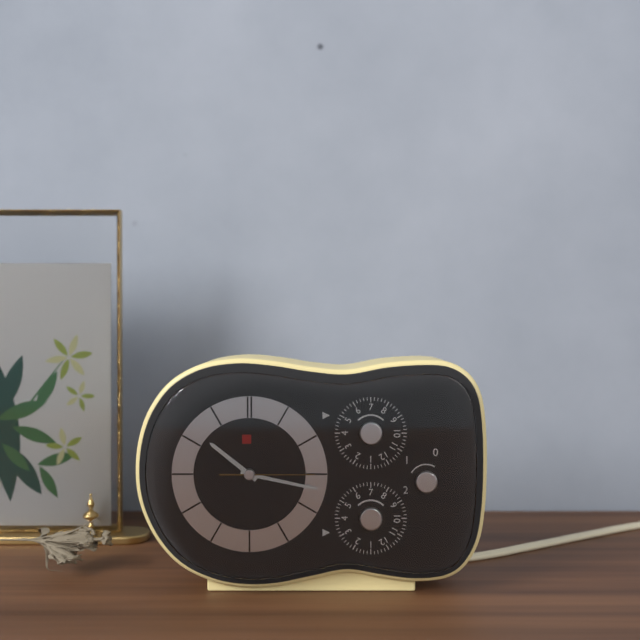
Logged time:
10h17m15s
